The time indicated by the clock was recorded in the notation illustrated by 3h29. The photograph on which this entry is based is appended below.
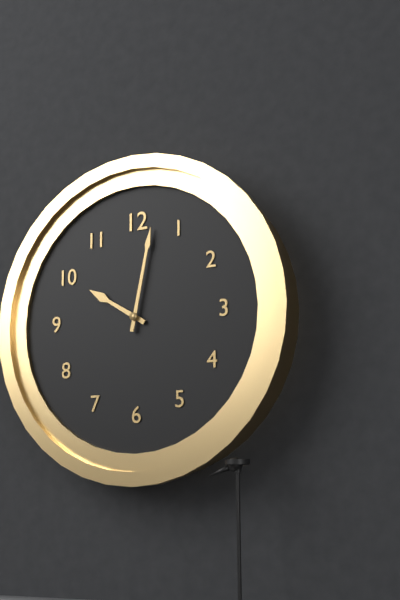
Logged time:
10h02
